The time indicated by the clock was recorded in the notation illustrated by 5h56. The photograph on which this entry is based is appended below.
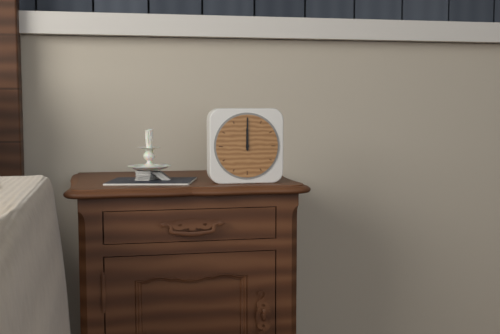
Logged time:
12h00
